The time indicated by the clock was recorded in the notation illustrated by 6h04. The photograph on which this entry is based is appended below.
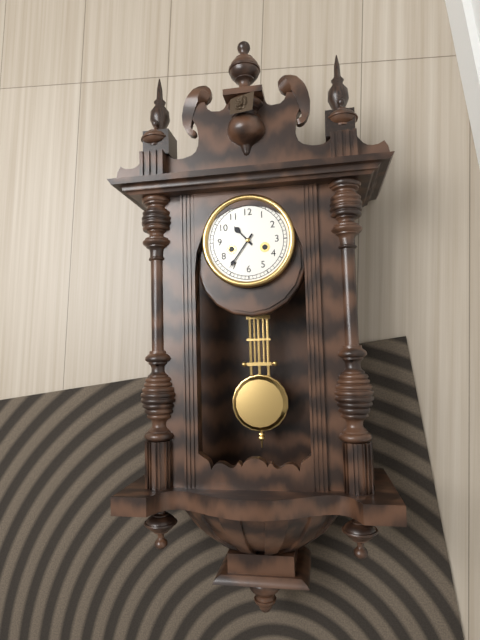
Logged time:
10h36
